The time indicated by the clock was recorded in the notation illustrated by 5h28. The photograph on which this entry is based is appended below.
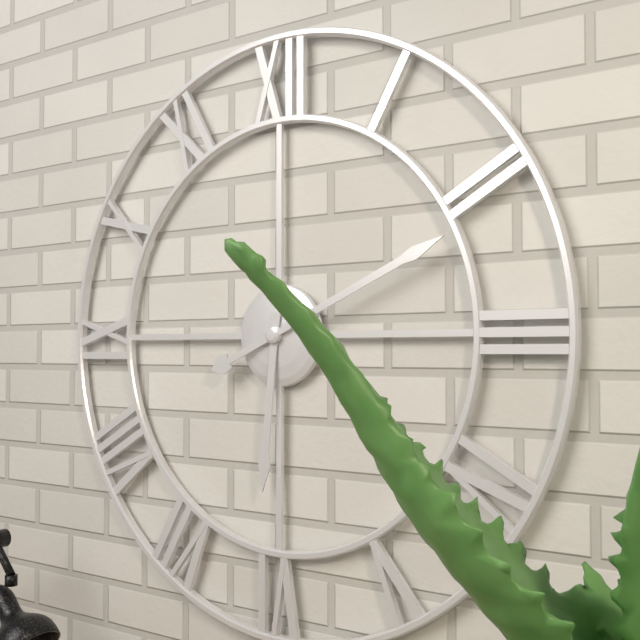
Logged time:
6h11
